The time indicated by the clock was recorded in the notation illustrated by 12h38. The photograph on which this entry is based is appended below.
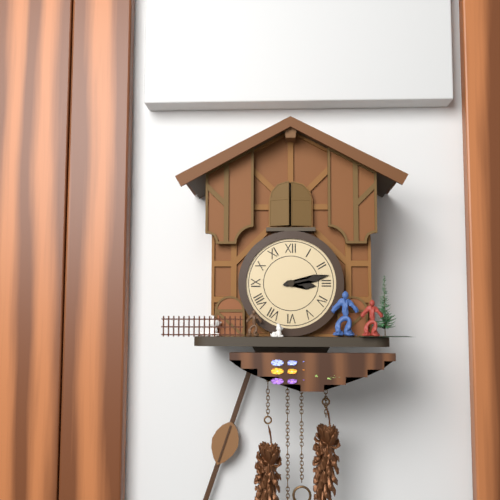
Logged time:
3h13
